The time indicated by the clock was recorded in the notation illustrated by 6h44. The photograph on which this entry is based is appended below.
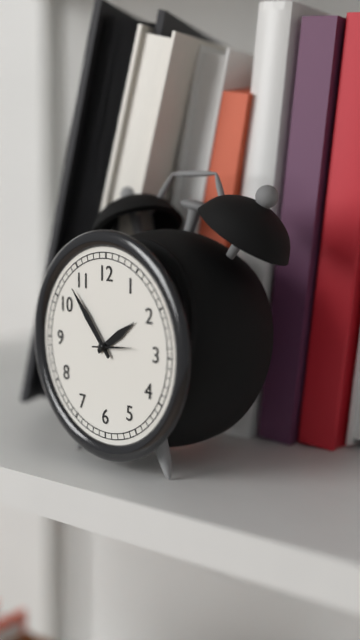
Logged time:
1h53
